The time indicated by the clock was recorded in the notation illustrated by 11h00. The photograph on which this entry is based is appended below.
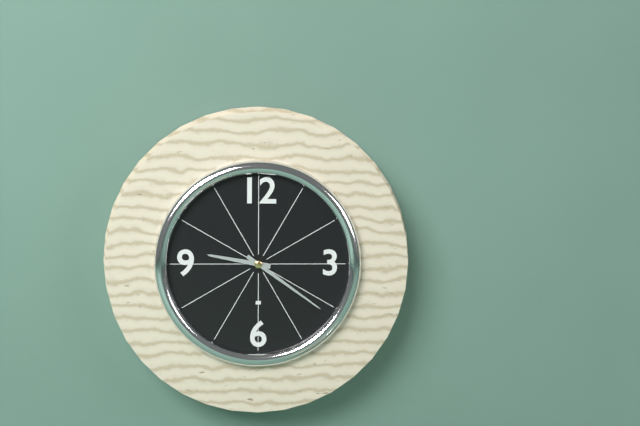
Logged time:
9h21
